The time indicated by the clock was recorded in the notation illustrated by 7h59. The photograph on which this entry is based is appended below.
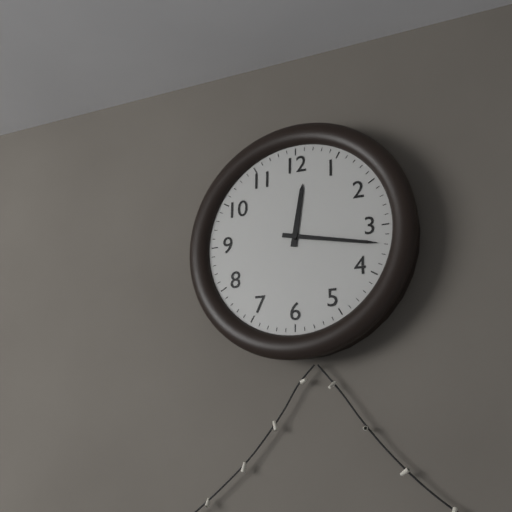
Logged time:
12h17
